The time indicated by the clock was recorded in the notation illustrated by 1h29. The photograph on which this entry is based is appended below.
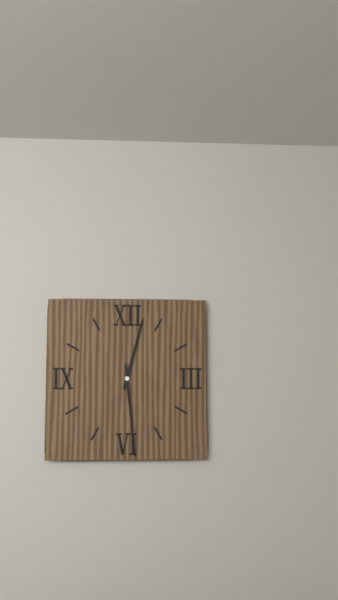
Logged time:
12h29
